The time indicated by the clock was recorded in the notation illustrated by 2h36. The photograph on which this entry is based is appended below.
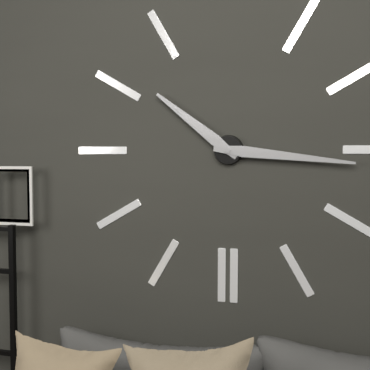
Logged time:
10h16
